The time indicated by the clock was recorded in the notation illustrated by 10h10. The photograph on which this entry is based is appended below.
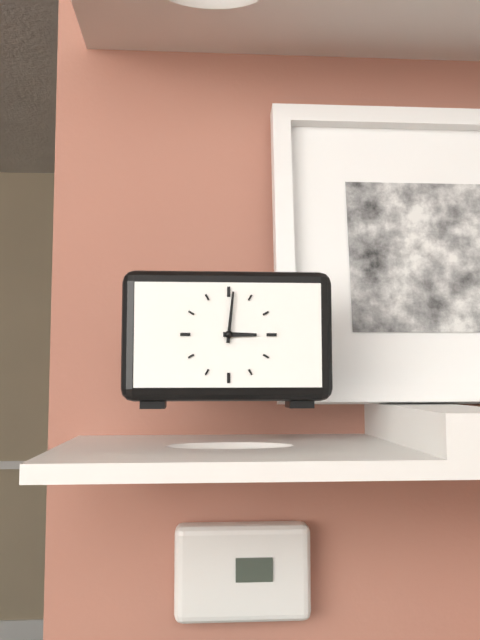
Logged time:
3h01
